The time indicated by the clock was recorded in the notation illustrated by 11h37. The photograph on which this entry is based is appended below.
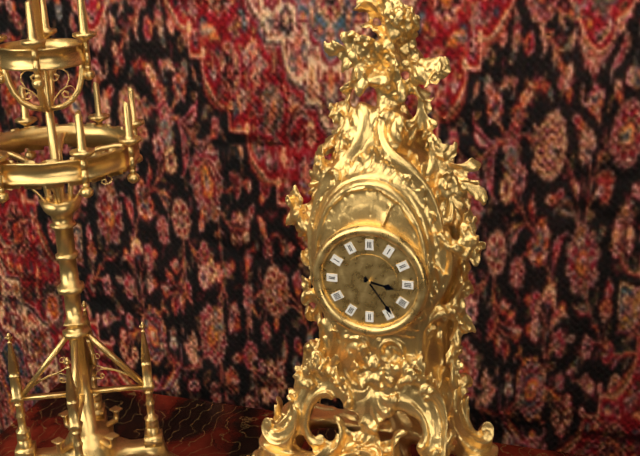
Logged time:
3h24
